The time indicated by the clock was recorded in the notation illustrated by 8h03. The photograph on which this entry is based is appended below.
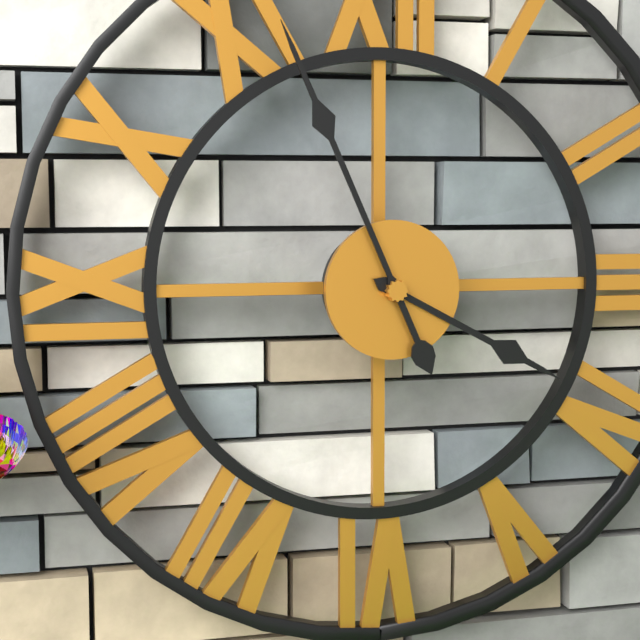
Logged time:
3h56
